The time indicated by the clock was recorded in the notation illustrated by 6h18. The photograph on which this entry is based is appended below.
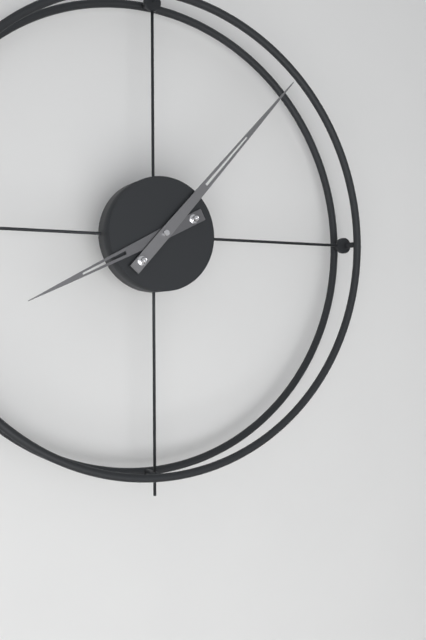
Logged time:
8h07
